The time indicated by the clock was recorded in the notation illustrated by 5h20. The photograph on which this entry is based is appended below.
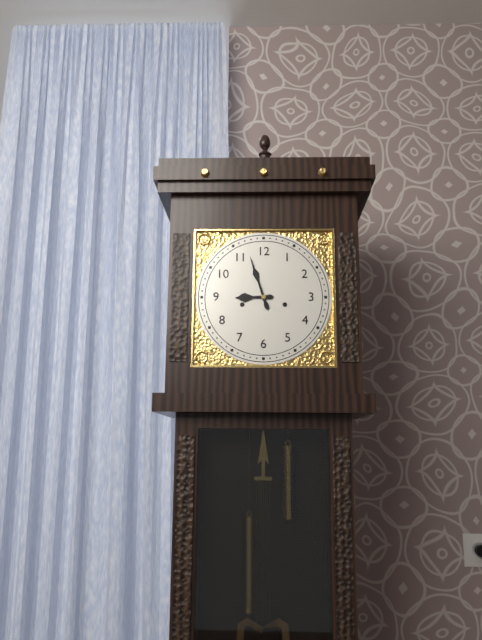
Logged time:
8h57
